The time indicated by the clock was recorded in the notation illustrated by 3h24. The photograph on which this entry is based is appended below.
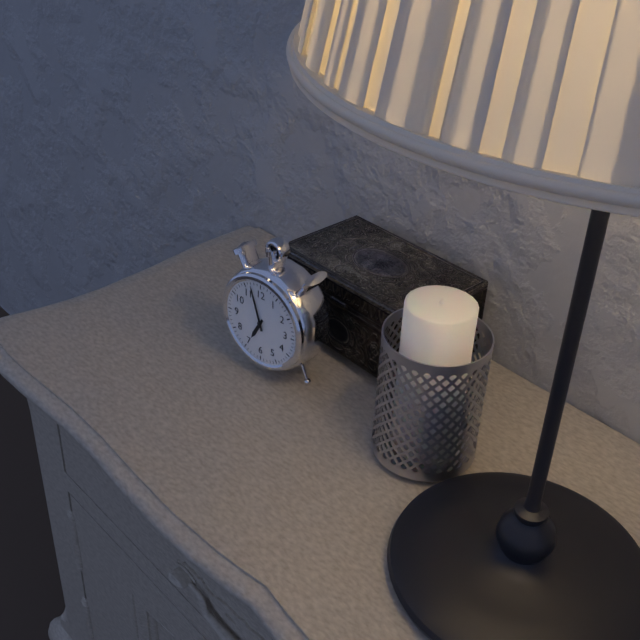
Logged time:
6h57
